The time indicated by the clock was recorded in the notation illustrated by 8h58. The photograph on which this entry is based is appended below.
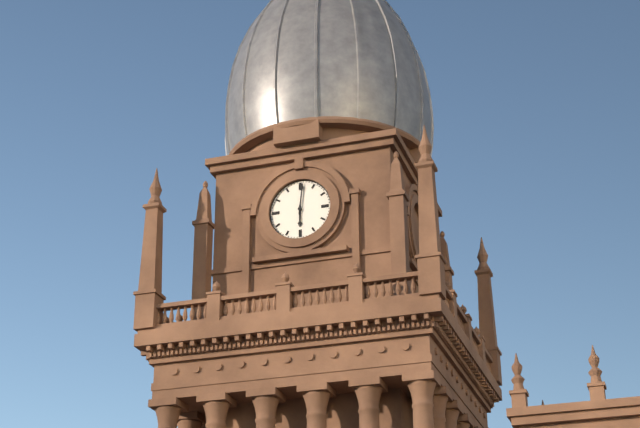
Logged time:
6h01
